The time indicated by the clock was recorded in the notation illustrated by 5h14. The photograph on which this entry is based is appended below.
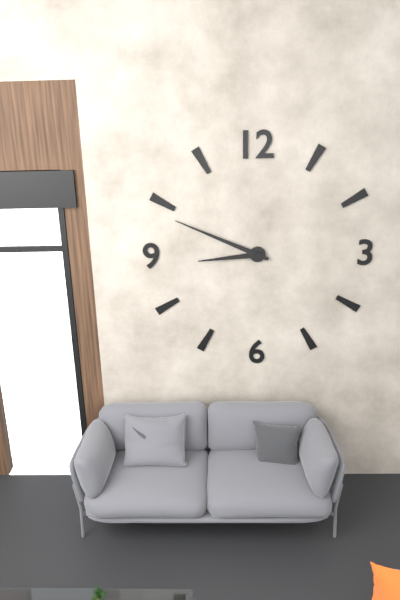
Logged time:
8h49
